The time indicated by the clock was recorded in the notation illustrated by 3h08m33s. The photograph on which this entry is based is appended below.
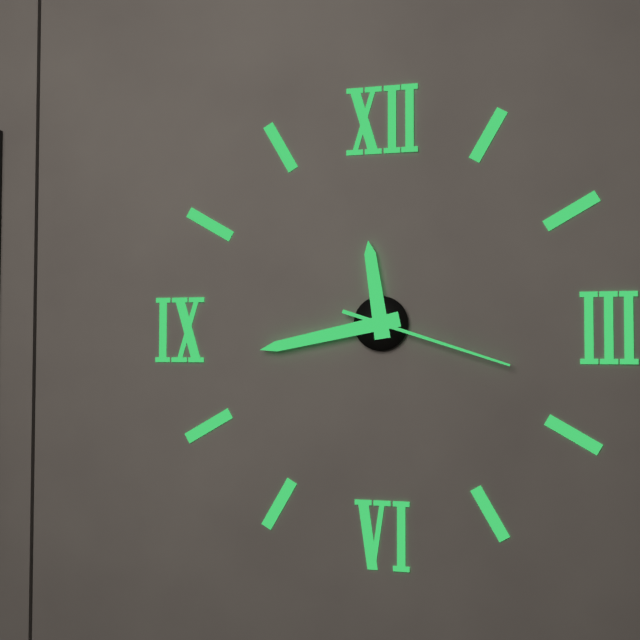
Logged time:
11h43m18s
